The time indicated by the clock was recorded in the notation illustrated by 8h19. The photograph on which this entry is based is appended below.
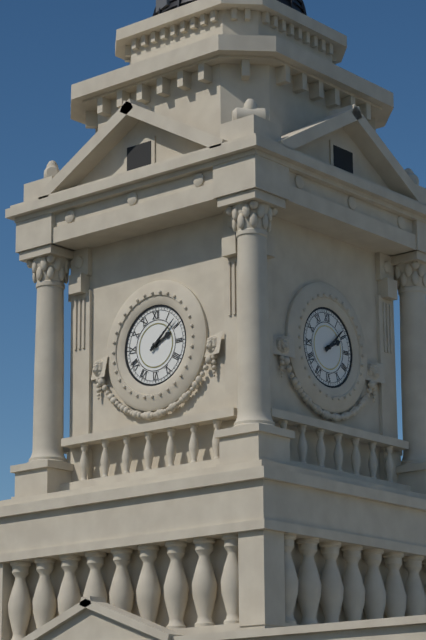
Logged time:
2h08
